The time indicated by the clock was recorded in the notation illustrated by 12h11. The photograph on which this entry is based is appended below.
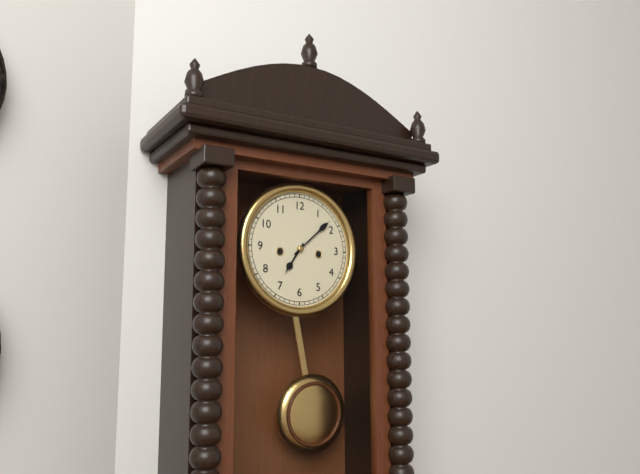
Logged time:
7h08
